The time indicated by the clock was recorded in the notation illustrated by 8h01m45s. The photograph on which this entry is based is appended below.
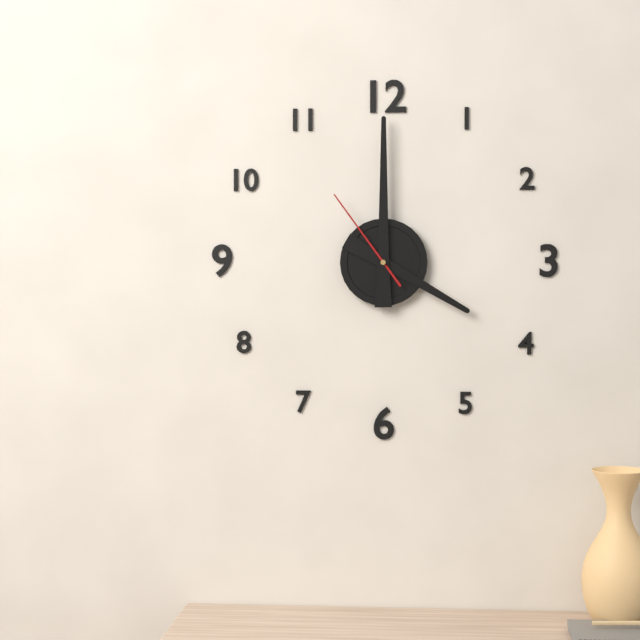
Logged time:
4h00m54s
